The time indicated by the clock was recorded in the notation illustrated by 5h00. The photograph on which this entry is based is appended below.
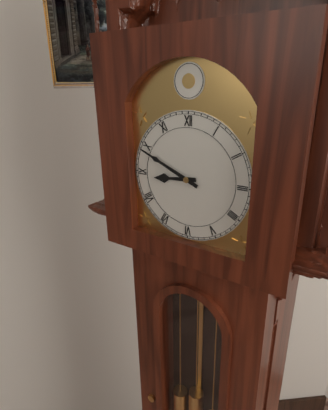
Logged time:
8h49
